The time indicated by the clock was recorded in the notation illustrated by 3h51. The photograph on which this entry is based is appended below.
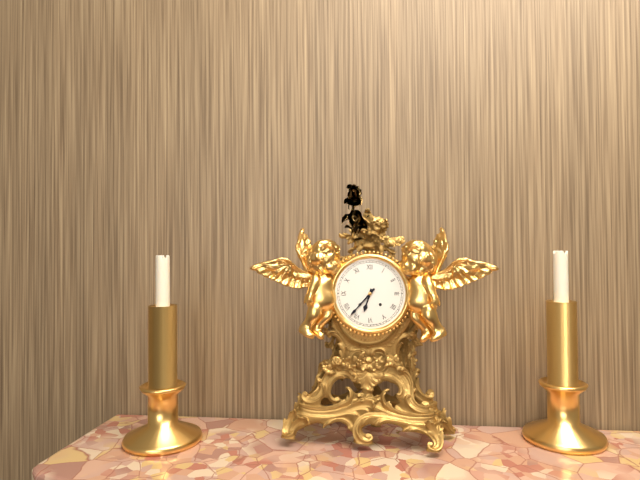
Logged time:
6h37
